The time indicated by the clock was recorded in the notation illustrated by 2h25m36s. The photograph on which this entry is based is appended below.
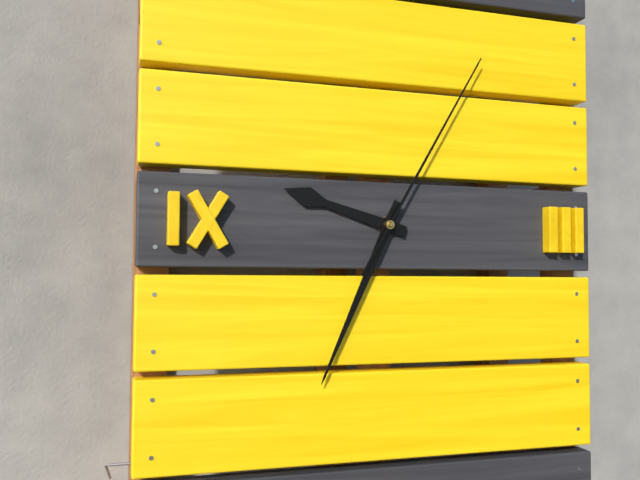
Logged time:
9h34m05s
